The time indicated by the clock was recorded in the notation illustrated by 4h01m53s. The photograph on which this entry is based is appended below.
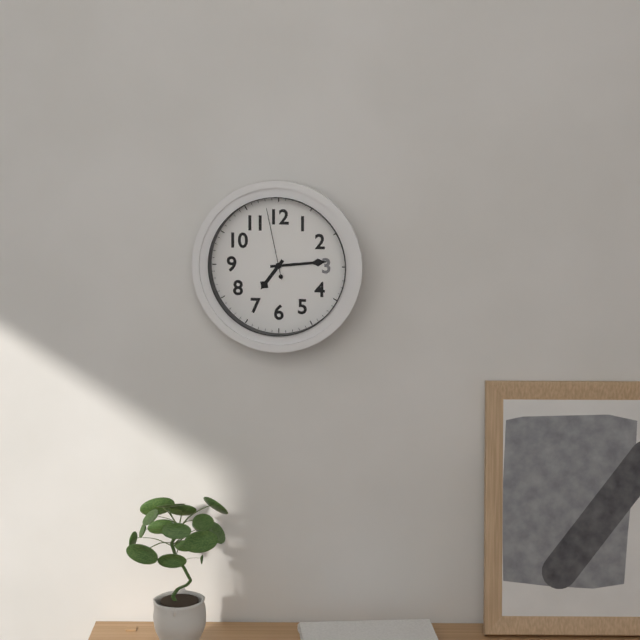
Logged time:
7h14m58s
